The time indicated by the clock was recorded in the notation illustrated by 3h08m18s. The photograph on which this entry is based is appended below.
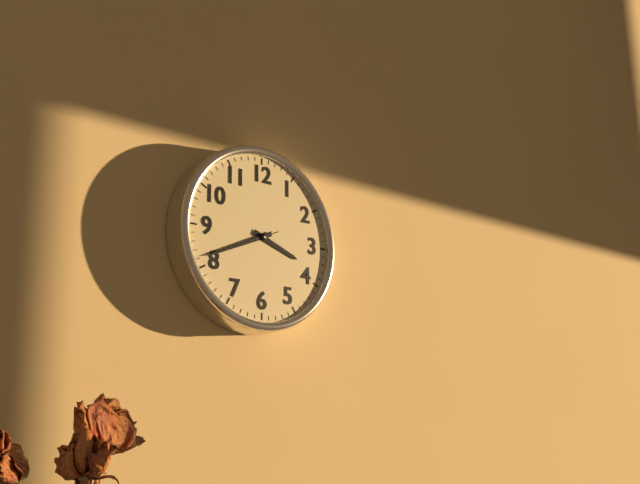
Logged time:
3h41m41s
